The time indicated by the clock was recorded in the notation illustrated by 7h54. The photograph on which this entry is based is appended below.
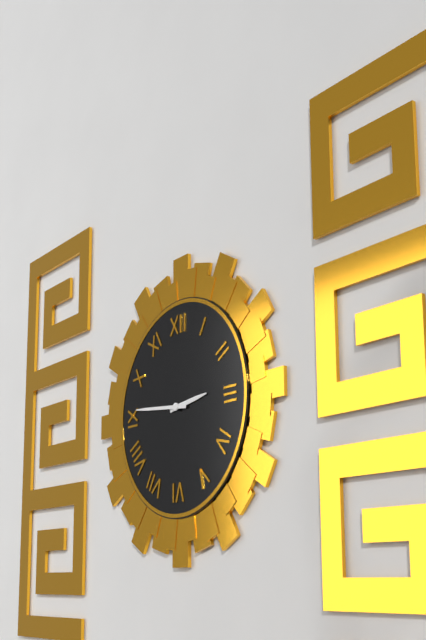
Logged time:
2h46
